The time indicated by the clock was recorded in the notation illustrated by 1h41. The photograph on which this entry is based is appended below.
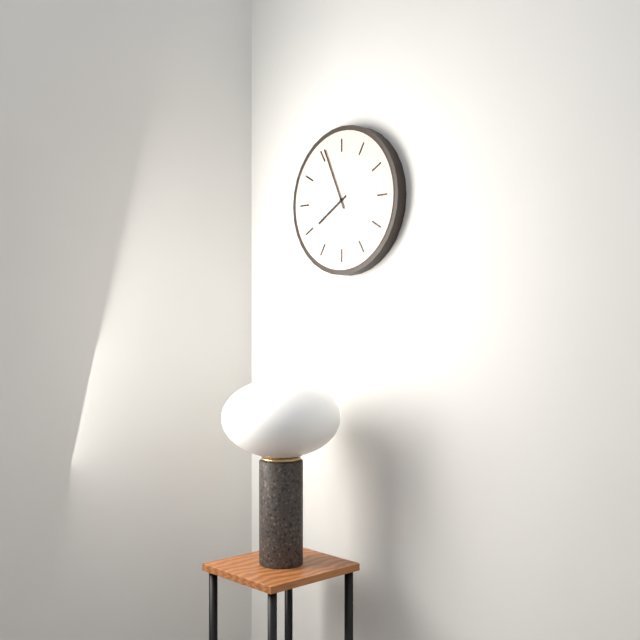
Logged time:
7h56
